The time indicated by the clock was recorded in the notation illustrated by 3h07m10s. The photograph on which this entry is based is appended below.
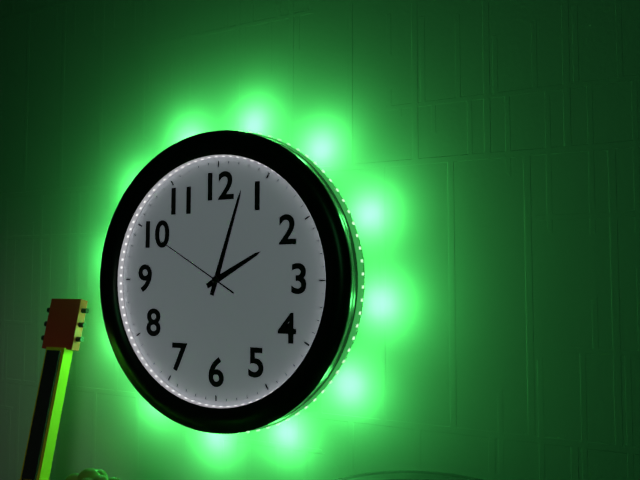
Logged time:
2h03m50s
